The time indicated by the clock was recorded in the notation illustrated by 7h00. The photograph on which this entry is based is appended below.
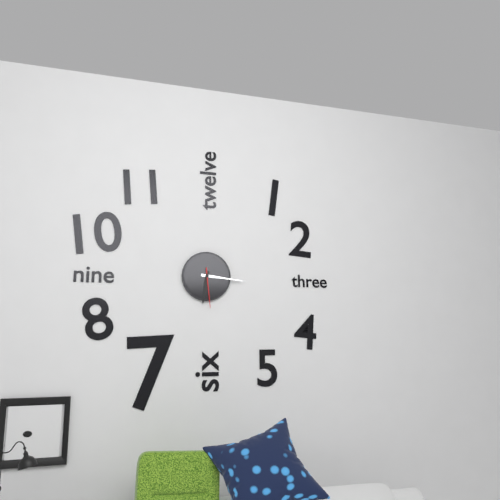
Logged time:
6h16
